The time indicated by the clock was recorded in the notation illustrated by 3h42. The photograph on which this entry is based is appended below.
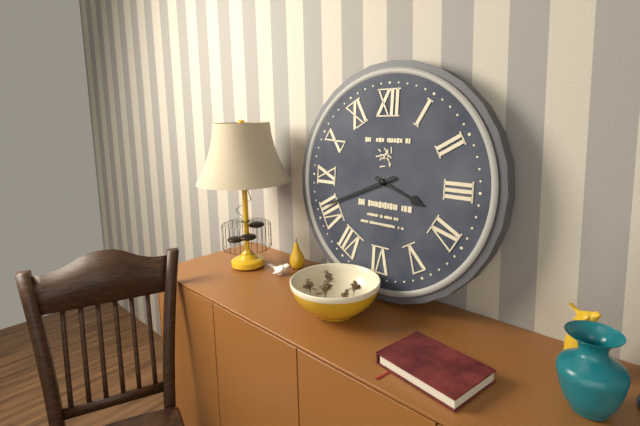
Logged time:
3h41
